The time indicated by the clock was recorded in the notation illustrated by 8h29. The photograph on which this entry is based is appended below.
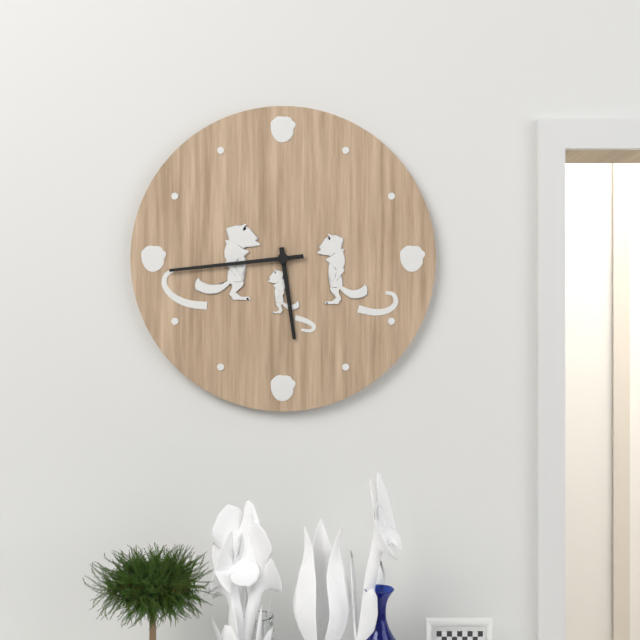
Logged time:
5h44
